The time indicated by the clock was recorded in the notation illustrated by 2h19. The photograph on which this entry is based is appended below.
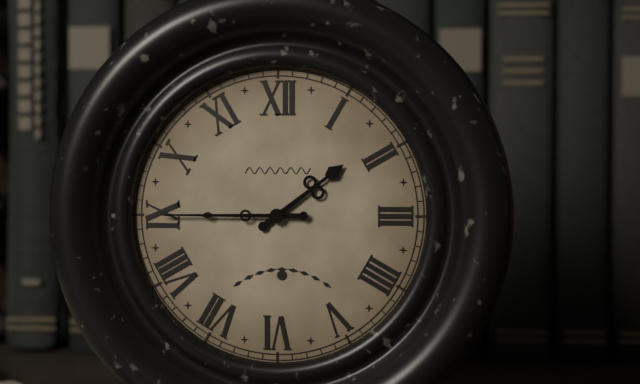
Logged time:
1h45
